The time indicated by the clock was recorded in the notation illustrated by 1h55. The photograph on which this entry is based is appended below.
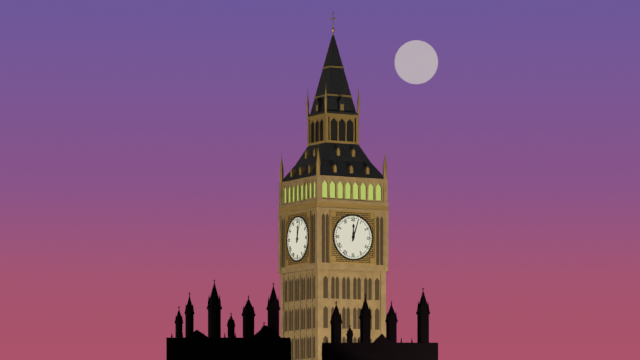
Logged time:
12h03
